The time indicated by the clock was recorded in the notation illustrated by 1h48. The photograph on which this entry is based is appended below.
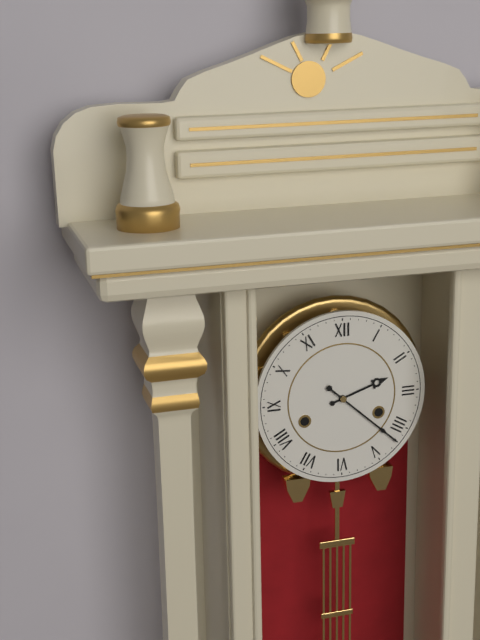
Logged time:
2h22
